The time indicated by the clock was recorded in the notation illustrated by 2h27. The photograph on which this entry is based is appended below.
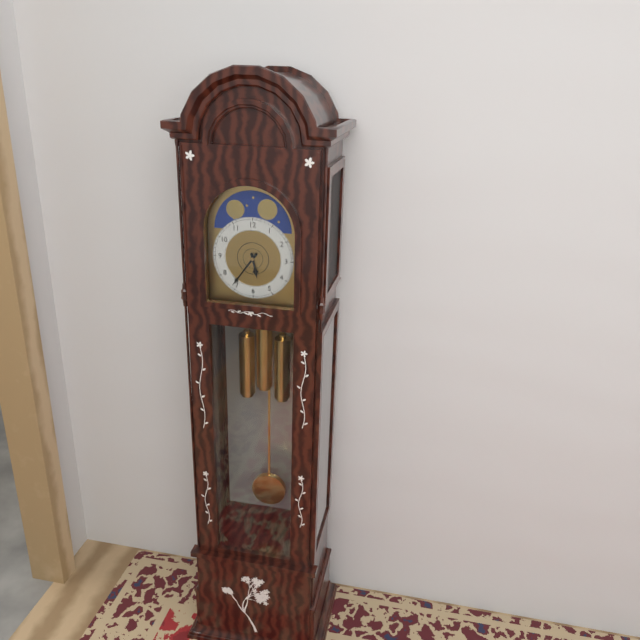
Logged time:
5h36
